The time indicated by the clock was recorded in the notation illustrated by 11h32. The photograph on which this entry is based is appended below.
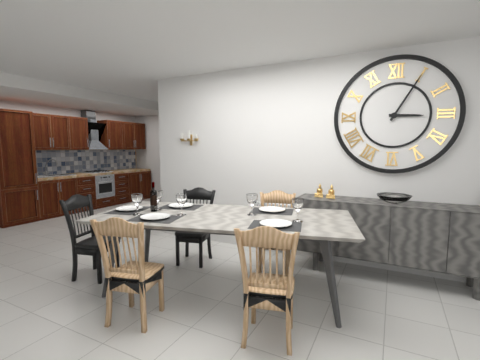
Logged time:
3h05
